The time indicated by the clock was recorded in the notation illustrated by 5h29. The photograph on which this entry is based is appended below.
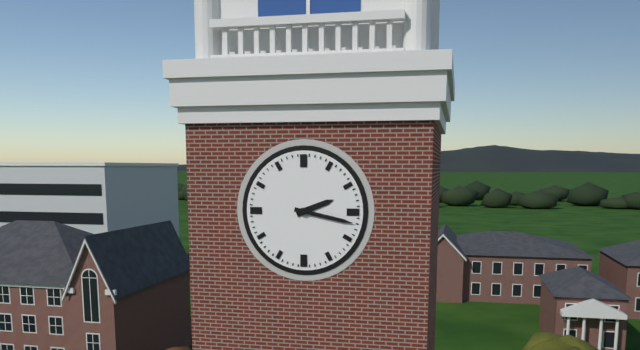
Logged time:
2h17
